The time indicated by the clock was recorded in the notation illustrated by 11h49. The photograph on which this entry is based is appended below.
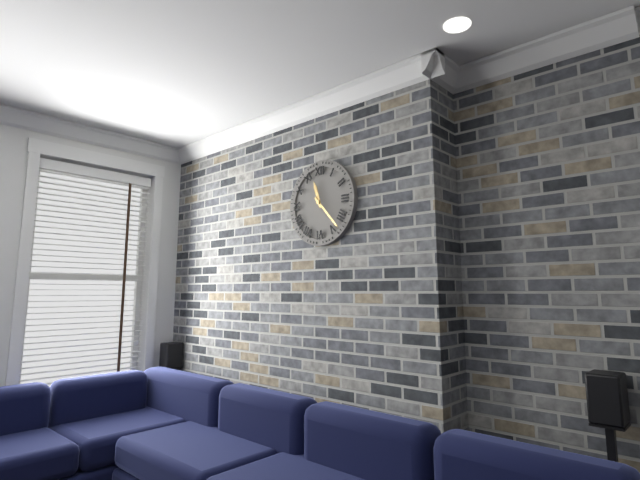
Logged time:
11h23
